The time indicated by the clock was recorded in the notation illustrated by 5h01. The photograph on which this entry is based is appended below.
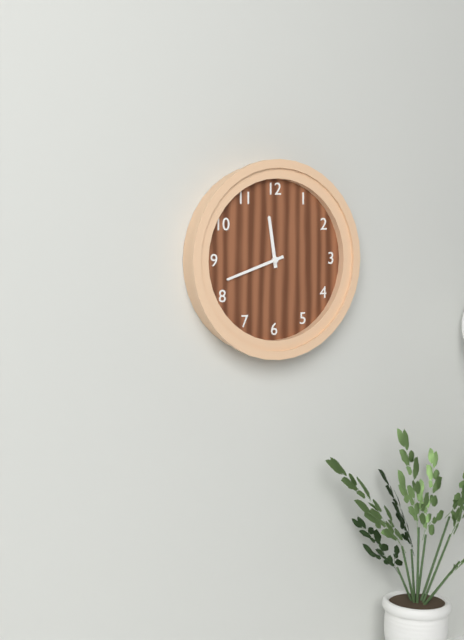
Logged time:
11h42
